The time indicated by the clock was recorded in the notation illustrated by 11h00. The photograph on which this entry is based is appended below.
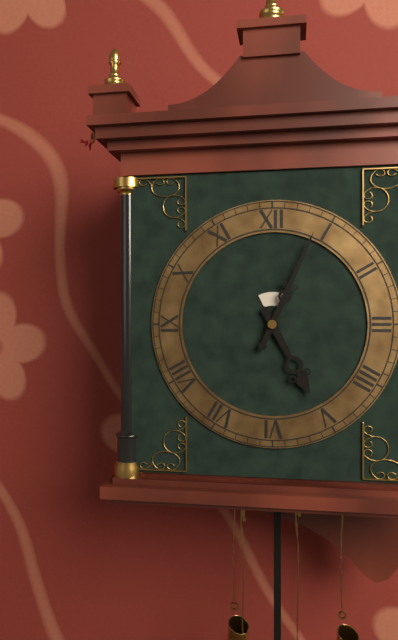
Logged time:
5h04
